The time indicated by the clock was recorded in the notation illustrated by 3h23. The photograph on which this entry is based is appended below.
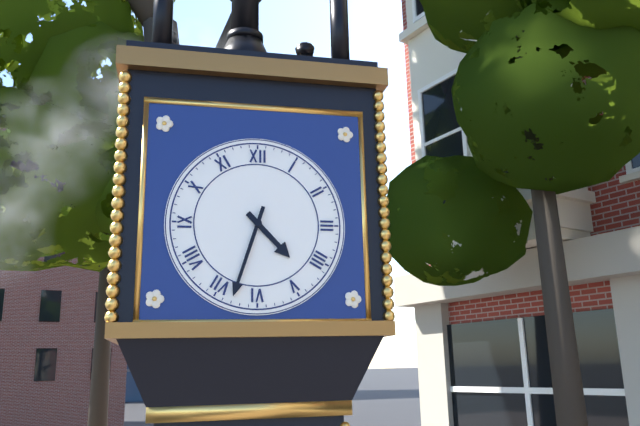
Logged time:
4h33
